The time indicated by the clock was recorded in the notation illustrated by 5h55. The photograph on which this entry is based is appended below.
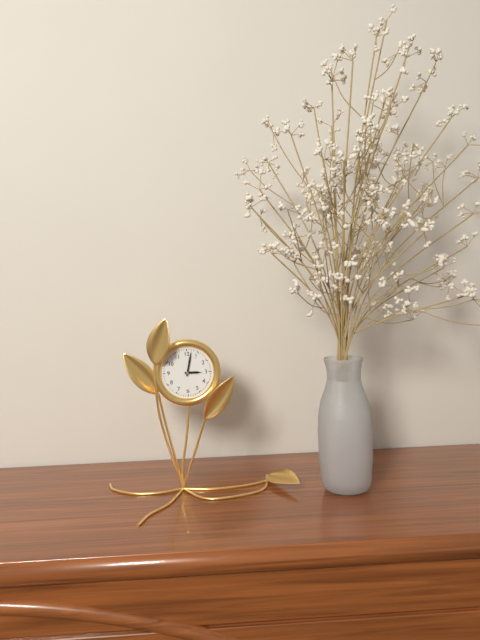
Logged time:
3h02
